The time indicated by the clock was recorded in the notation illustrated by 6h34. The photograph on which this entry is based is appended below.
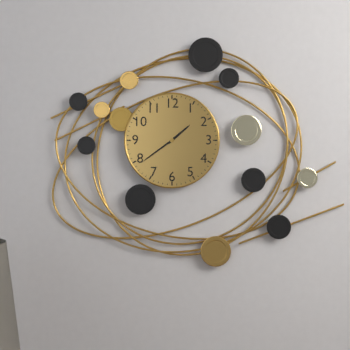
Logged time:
1h39
